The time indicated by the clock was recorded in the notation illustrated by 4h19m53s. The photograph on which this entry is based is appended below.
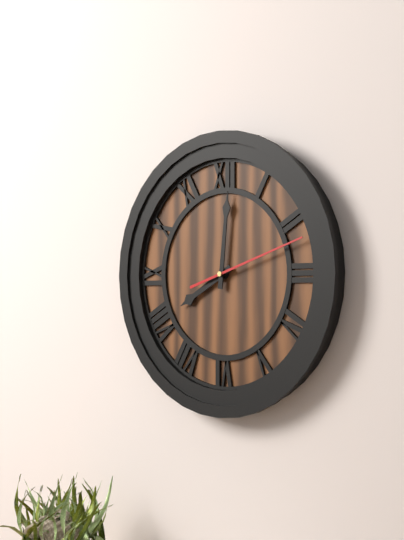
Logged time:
8h01m12s
